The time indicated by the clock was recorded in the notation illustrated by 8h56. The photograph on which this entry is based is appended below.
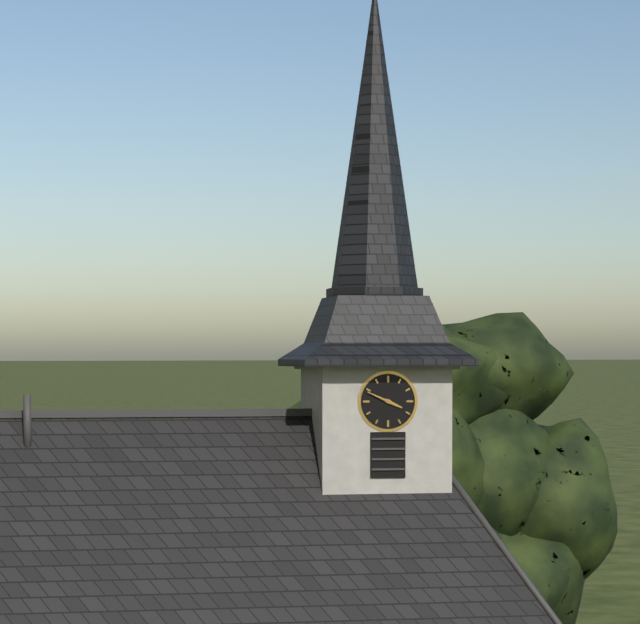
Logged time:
3h49
